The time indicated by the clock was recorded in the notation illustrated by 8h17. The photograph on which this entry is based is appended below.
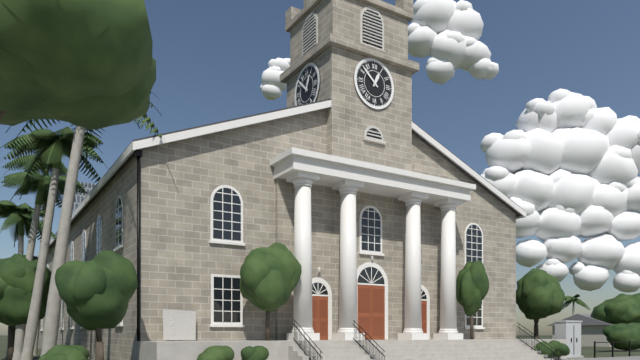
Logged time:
12h52
